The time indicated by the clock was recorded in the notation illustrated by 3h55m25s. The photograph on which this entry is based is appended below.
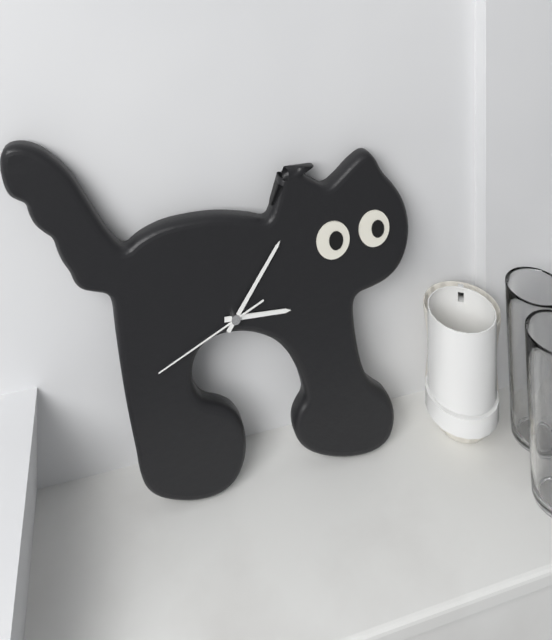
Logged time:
3h06m41s
